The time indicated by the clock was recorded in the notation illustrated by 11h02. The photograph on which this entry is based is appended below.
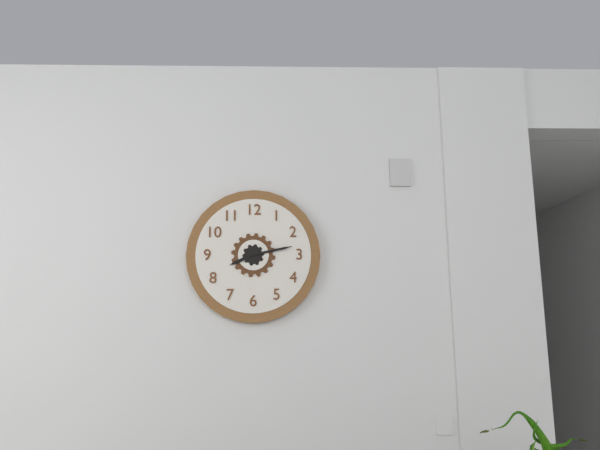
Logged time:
8h13
